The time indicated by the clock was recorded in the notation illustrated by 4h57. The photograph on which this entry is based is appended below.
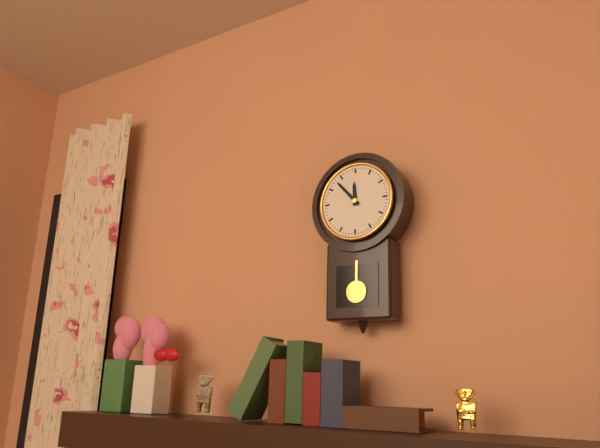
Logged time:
11h53
